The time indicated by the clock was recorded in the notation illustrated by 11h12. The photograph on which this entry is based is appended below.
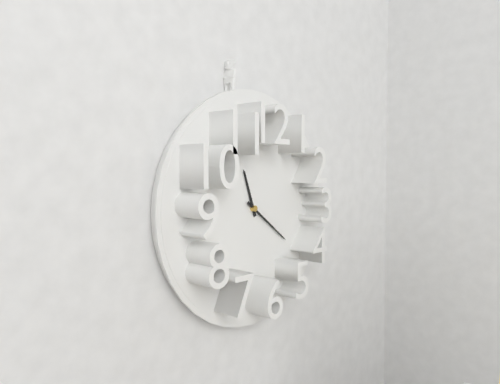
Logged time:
11h21
